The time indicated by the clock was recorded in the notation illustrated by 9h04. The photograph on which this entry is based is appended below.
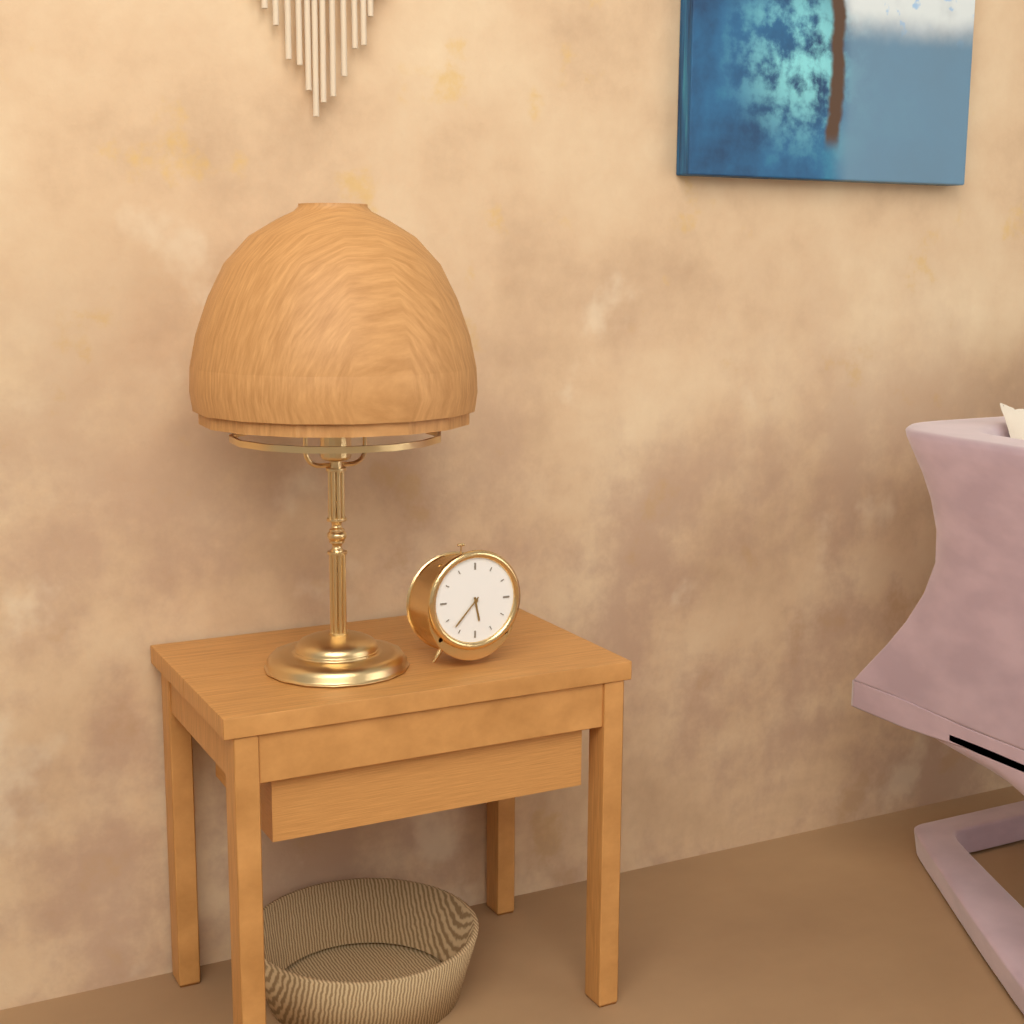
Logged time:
5h37
